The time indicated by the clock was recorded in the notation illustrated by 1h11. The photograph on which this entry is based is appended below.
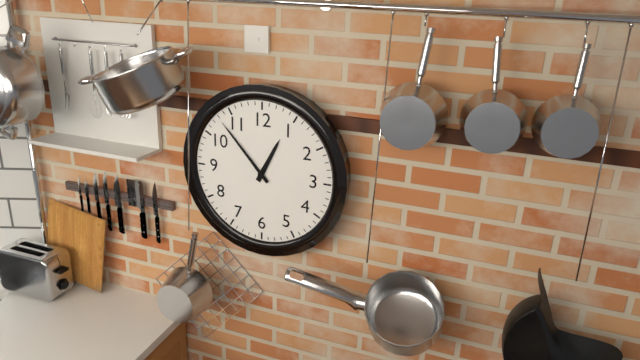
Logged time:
12h53
